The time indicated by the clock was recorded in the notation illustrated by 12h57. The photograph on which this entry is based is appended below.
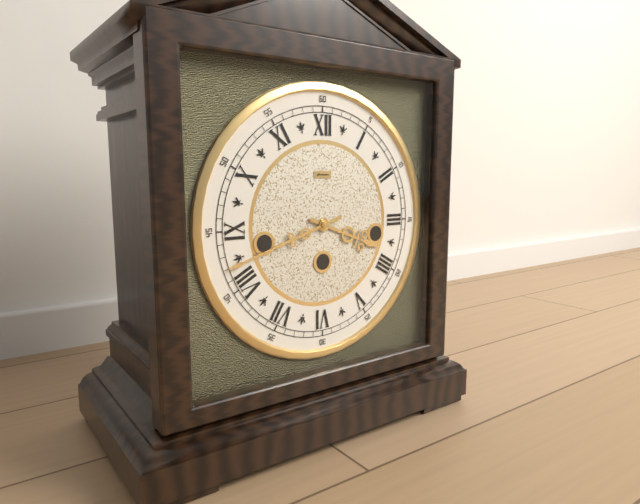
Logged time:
3h42
